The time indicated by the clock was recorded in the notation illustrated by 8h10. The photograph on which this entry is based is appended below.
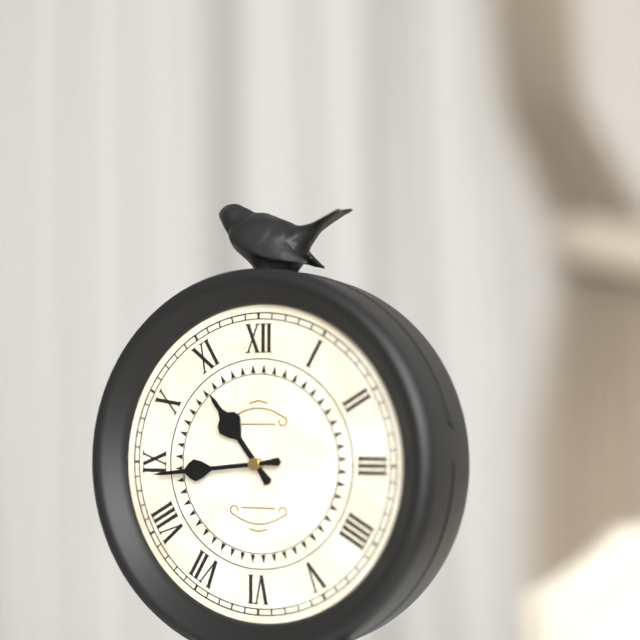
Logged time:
10h44
